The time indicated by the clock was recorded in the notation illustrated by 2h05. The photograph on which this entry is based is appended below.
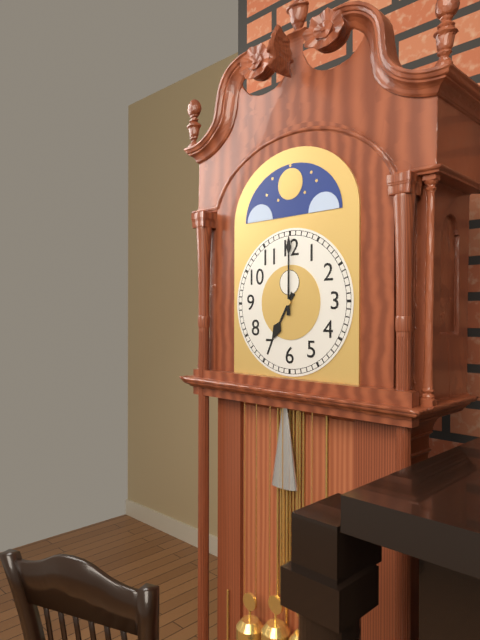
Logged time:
7h00
